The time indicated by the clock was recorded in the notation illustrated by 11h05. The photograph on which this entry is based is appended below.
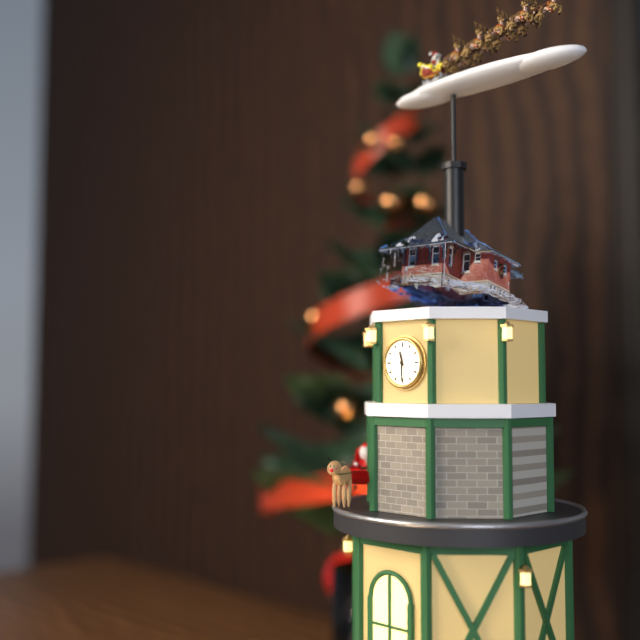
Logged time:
11h30
